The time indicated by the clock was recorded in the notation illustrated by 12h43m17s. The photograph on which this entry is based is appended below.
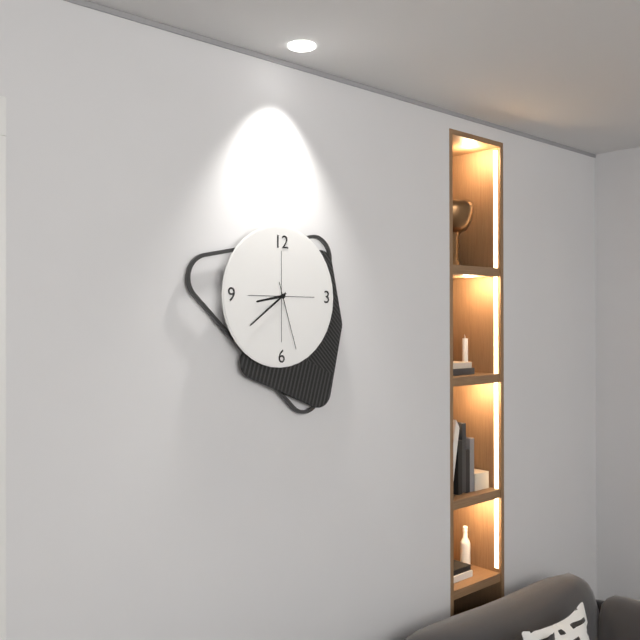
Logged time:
8h39m27s
